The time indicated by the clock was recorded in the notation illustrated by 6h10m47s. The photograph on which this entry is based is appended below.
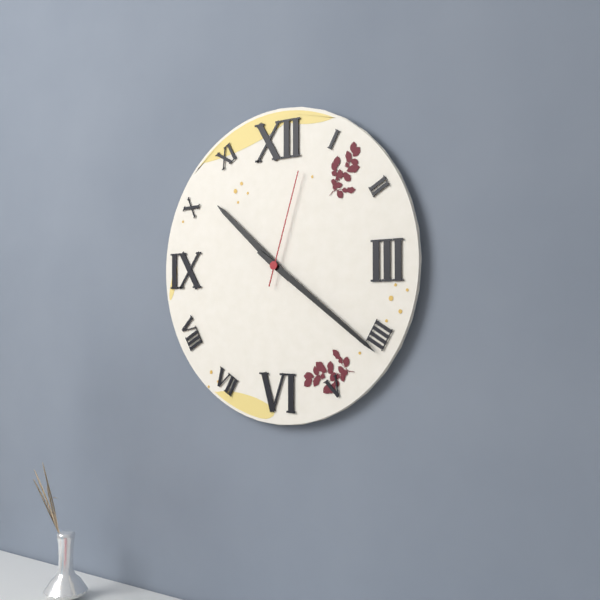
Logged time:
10h21m03s
